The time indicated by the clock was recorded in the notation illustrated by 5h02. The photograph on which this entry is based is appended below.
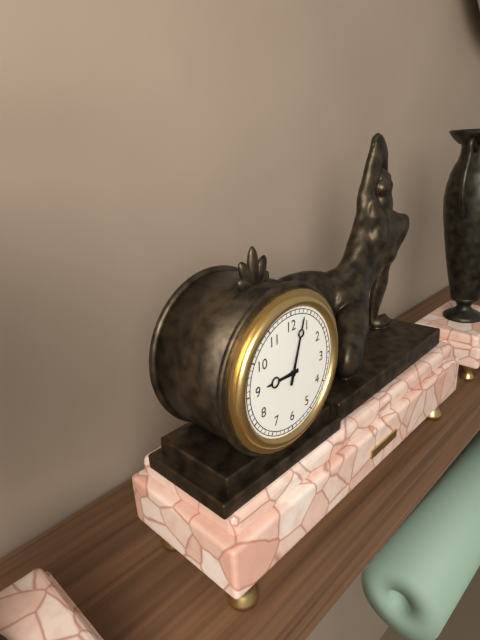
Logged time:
9h03
